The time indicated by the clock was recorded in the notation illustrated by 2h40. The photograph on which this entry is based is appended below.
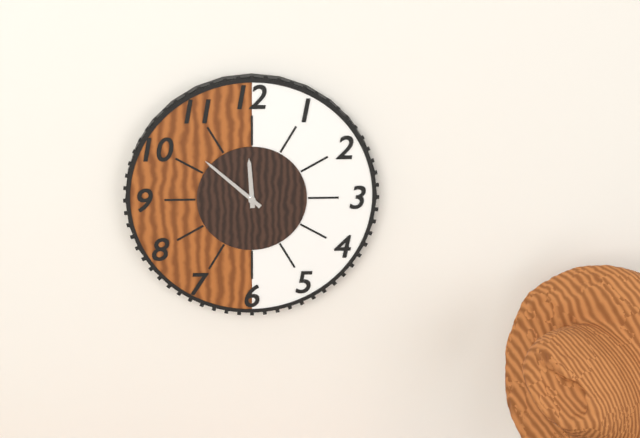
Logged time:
11h52
